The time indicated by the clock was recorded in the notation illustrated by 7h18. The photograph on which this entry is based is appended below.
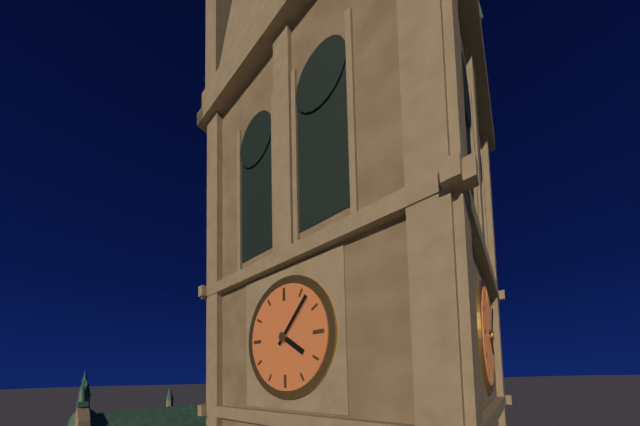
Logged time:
4h07
